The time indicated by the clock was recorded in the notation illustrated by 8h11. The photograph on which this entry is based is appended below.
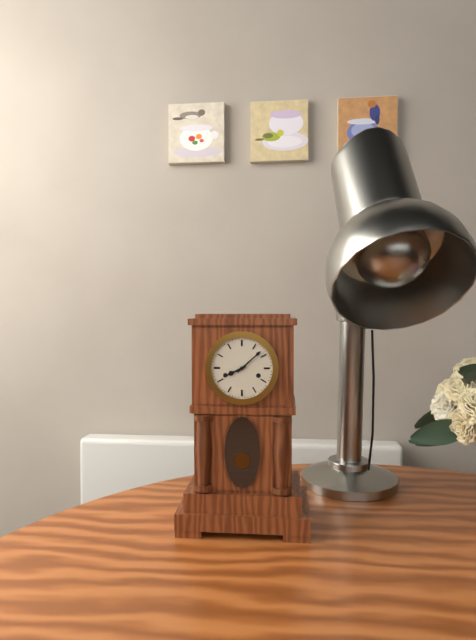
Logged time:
8h08
